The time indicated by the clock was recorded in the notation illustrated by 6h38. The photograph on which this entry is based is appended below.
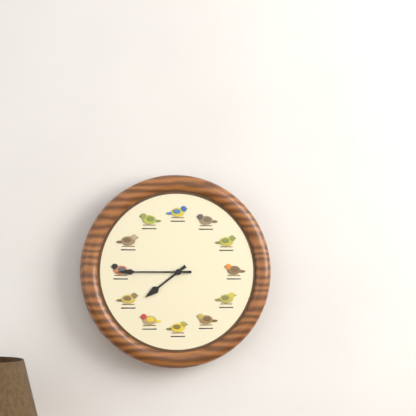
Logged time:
7h45
